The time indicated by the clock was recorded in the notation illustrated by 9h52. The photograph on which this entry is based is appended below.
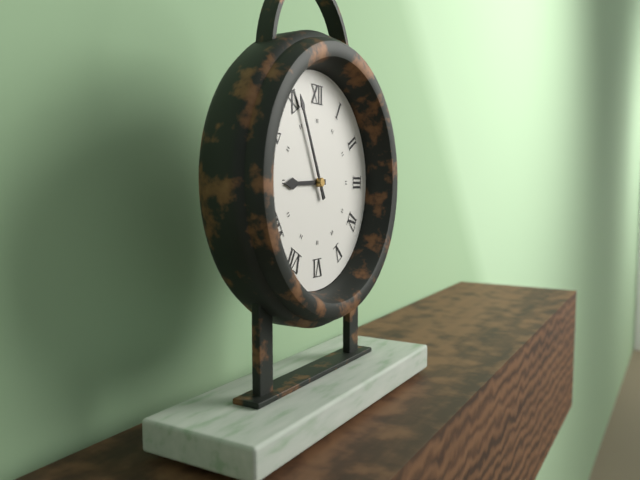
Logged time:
8h56
